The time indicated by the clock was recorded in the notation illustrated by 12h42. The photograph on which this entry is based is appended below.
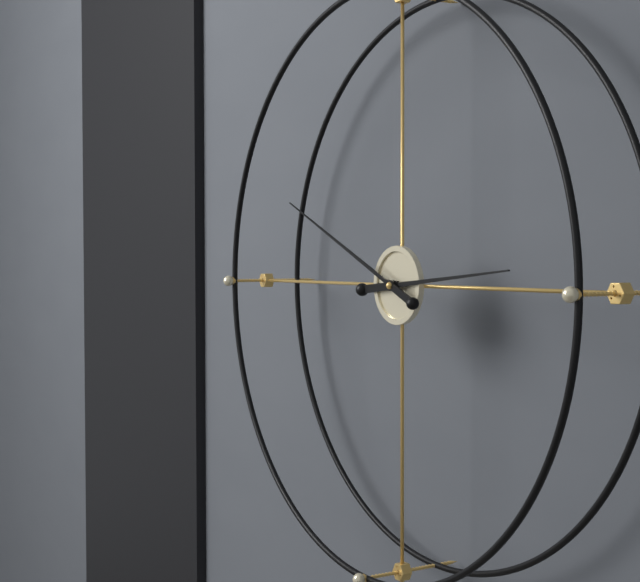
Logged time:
2h49
